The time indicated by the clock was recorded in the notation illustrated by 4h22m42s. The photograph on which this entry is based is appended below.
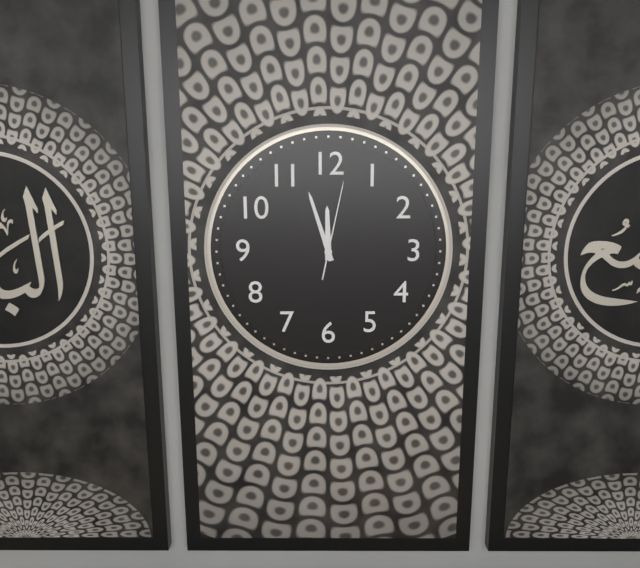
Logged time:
11h57m02s
